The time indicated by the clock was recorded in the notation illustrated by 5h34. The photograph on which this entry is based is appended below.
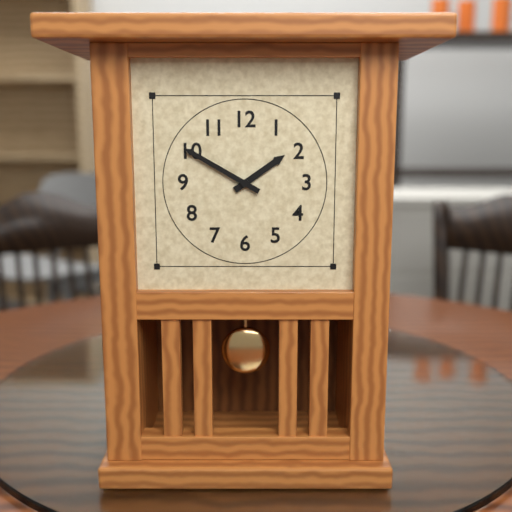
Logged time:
1h50
